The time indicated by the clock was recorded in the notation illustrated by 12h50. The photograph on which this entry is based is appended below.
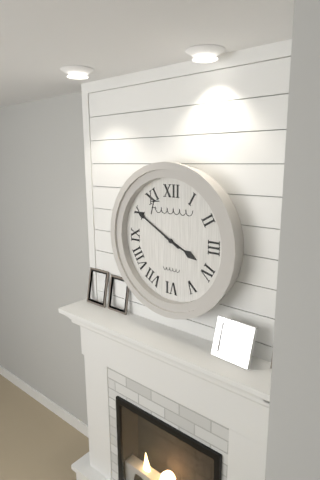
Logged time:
3h50
